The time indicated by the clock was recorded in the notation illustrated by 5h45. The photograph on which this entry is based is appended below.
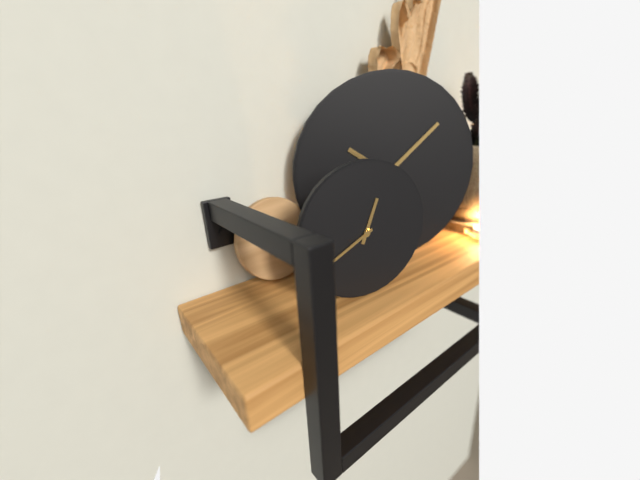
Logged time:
12h40
